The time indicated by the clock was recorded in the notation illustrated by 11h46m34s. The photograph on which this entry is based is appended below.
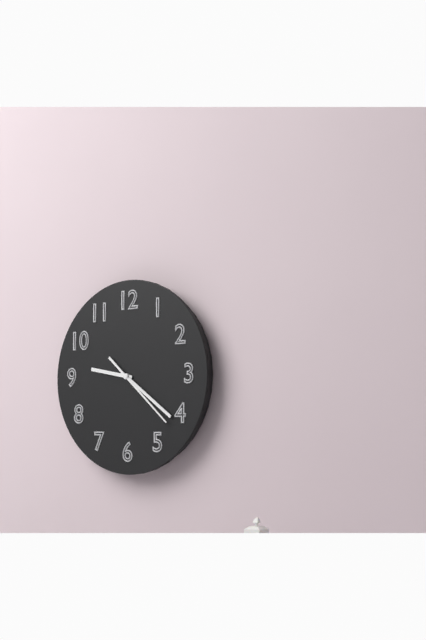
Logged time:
9h21m22s
